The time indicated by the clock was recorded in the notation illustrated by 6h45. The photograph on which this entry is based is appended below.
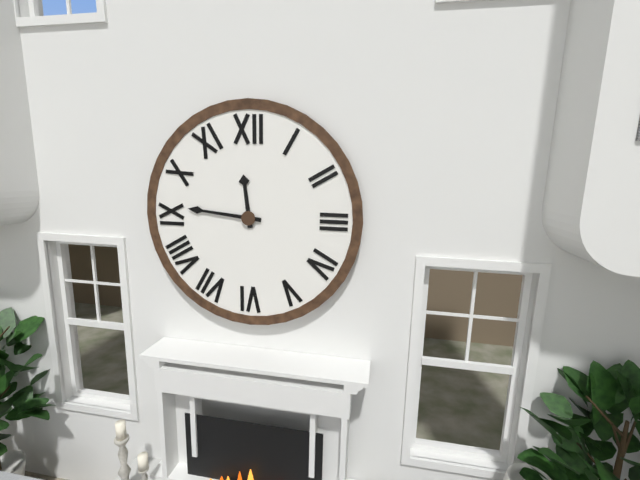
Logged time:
11h46
